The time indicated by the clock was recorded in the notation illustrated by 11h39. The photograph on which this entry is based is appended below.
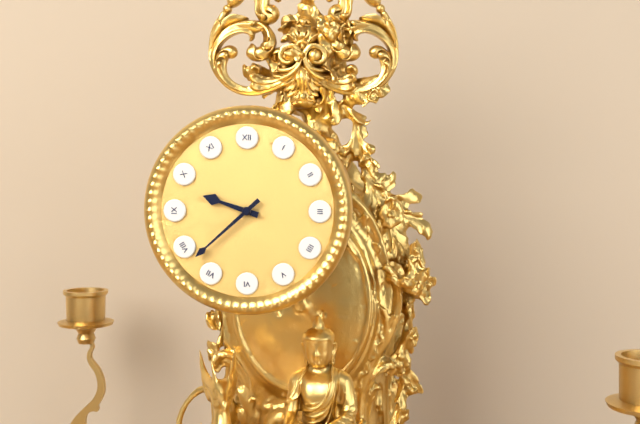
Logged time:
9h38
